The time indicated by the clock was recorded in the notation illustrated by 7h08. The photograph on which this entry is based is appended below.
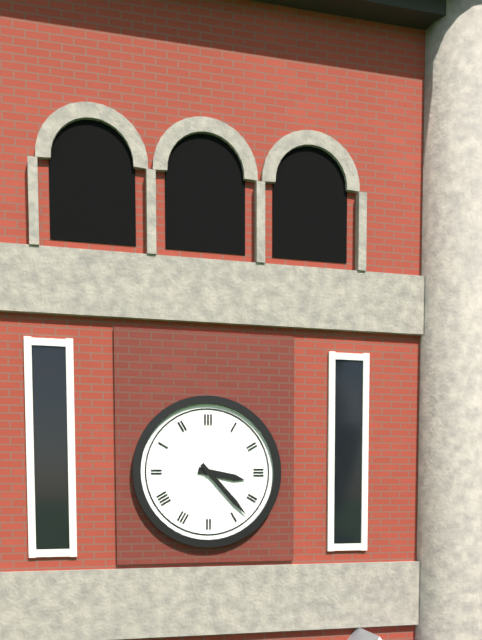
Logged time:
3h23
